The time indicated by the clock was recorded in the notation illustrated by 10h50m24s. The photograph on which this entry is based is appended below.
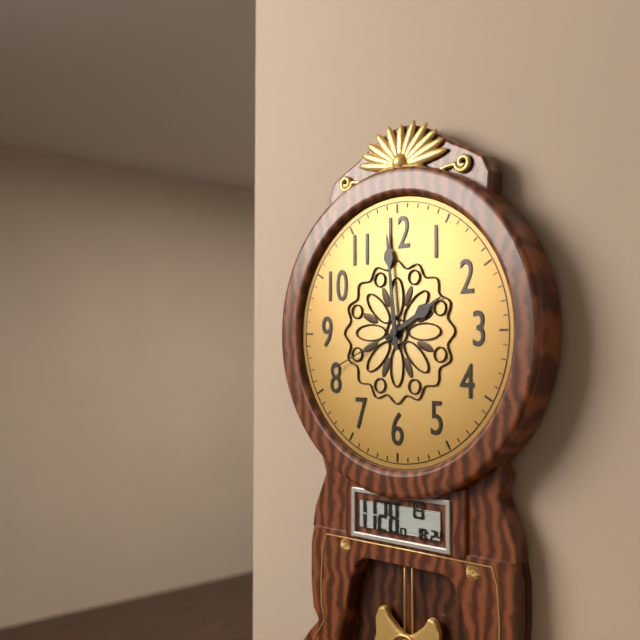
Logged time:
1h59m41s
